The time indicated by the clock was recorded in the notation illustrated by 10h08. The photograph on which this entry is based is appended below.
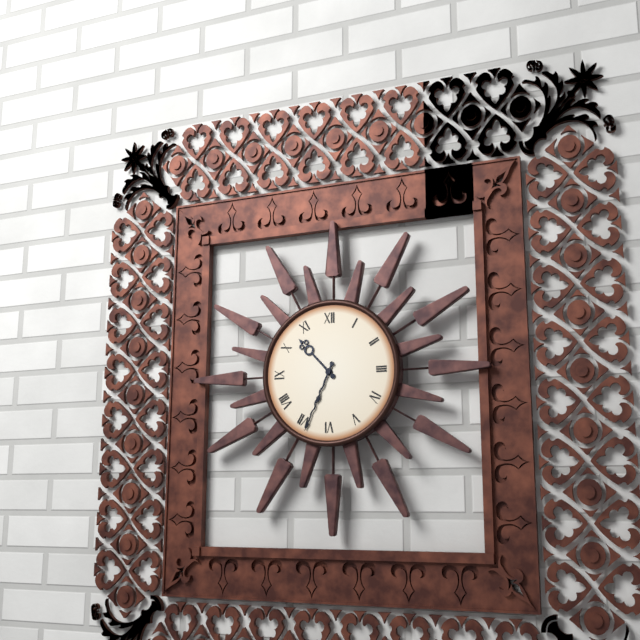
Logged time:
10h34
